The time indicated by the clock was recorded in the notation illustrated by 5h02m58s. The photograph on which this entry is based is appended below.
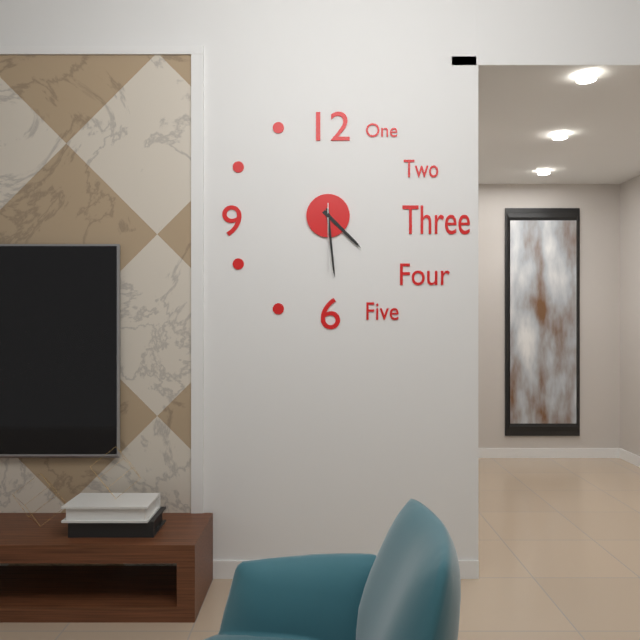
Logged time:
4h29m30s
